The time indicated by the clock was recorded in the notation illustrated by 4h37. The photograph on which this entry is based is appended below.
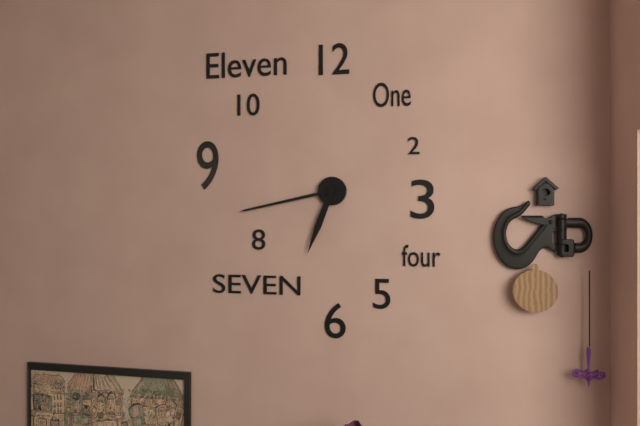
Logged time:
6h43
